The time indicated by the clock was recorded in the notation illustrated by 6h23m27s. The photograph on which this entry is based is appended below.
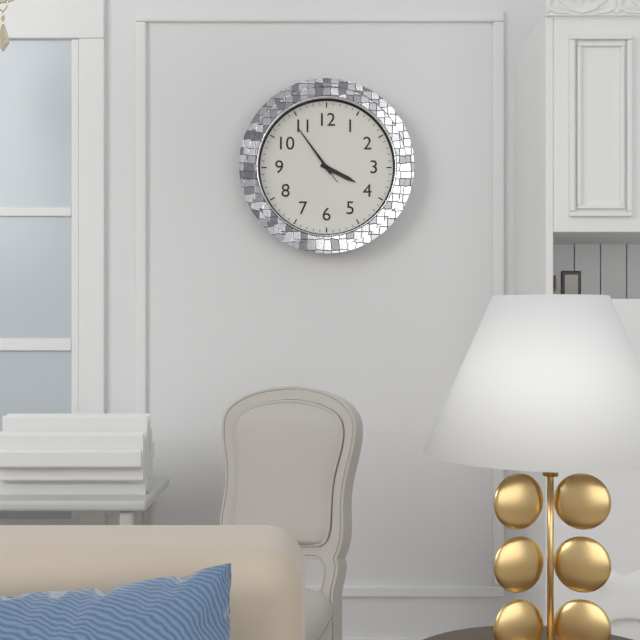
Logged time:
3h54m54s
